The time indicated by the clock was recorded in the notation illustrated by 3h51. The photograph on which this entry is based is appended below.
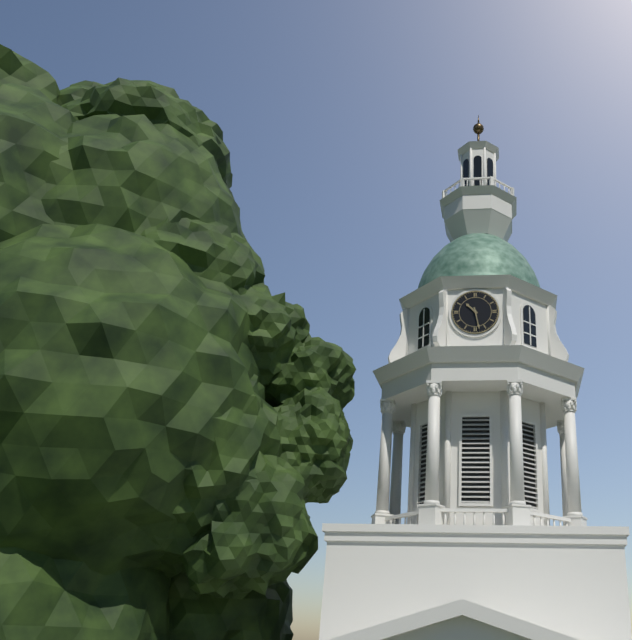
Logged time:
10h28
